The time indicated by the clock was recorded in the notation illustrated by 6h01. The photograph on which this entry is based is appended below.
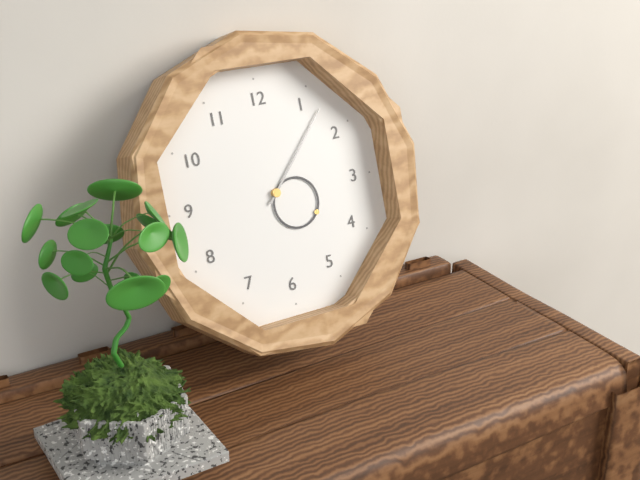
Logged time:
4h07
